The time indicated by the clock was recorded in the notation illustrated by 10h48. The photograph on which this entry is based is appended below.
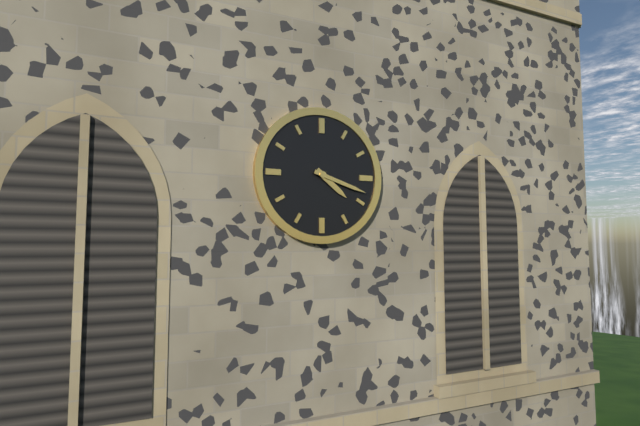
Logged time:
4h18
